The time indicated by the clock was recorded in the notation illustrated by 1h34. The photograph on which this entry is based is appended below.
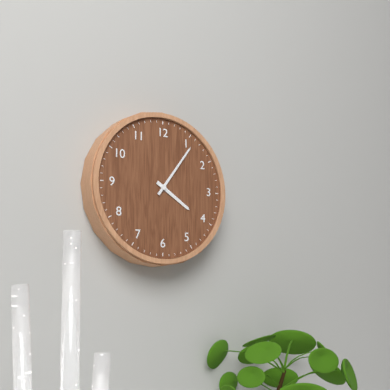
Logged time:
4h06
